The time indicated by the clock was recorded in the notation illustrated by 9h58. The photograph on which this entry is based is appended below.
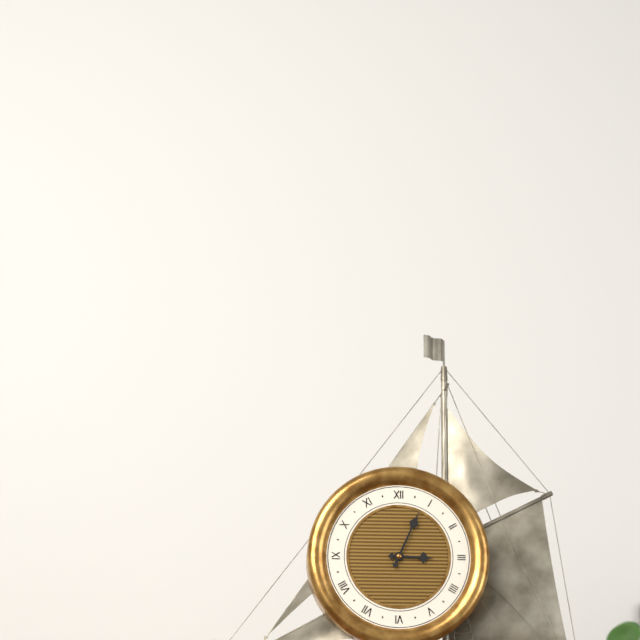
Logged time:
3h04
